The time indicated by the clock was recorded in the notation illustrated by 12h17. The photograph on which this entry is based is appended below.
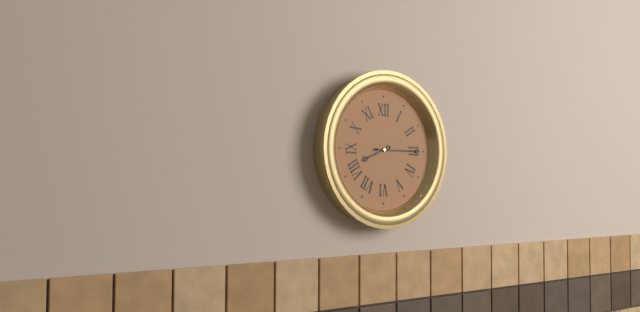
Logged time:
8h15
